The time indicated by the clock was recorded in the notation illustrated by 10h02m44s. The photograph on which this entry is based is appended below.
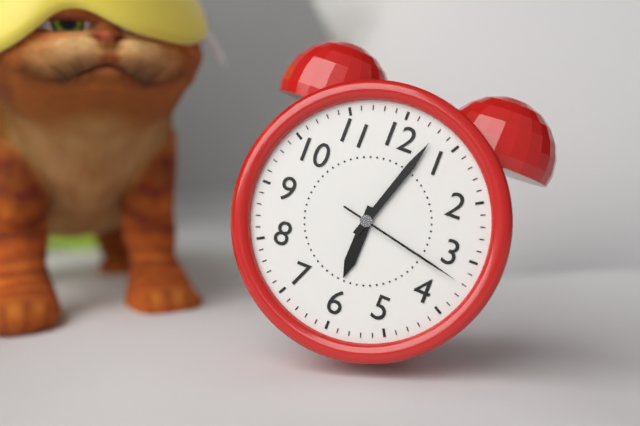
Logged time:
6h03m17s
